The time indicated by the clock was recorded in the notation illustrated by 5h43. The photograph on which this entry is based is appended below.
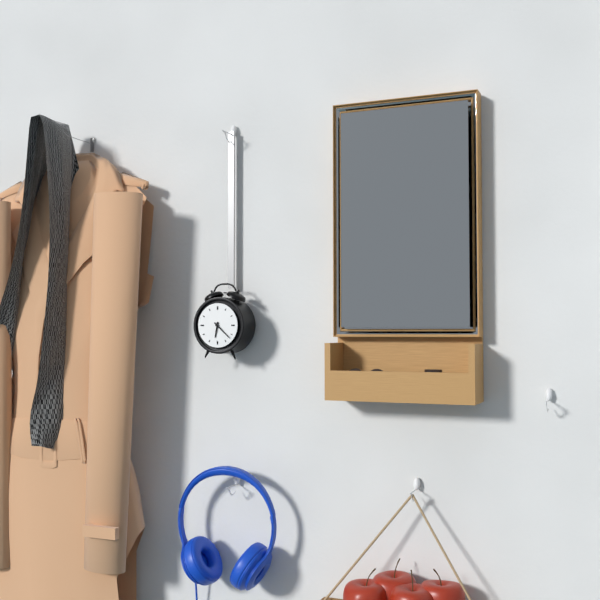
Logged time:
6h22
